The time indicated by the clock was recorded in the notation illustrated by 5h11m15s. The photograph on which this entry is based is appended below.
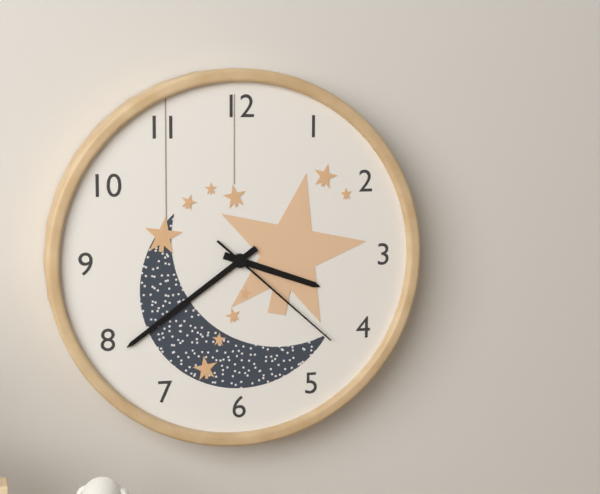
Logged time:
3h39m22s
